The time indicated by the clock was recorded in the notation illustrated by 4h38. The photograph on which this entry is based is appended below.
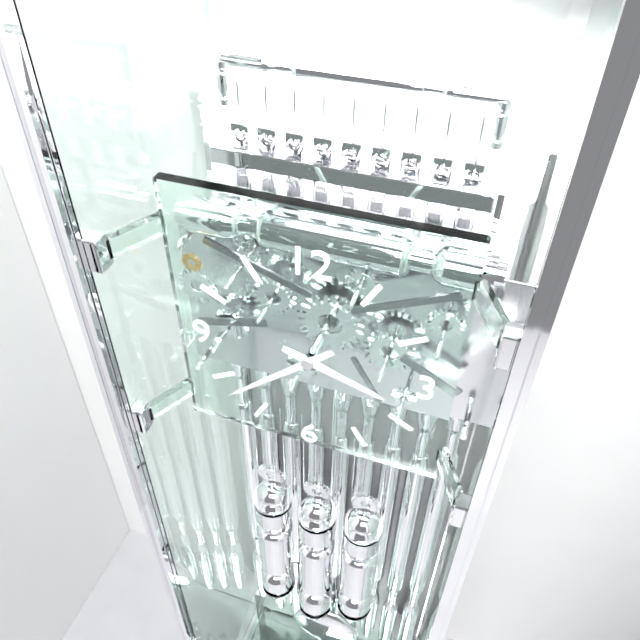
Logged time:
3h38
